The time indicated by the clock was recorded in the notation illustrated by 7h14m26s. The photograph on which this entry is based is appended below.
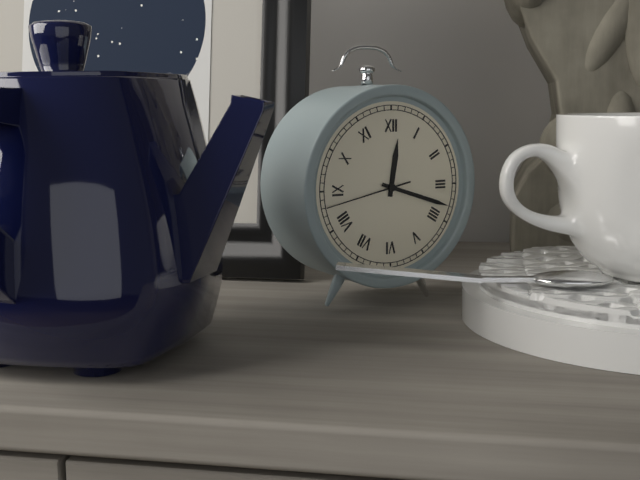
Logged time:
12h18m43s
